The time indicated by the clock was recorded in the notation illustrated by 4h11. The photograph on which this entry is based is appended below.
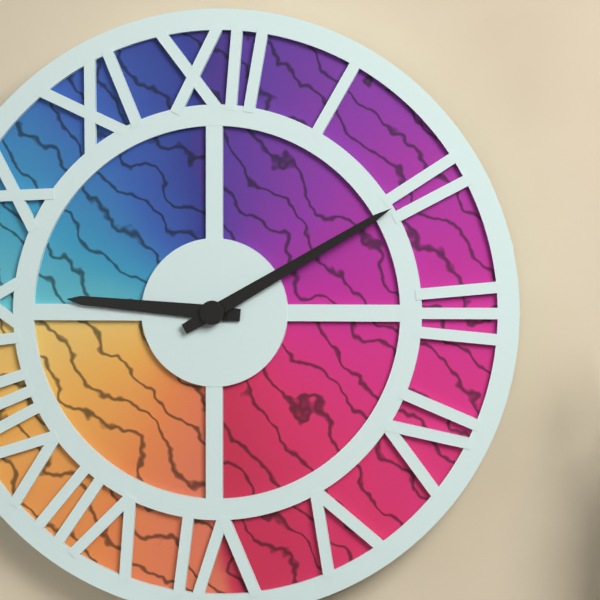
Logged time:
9h10
